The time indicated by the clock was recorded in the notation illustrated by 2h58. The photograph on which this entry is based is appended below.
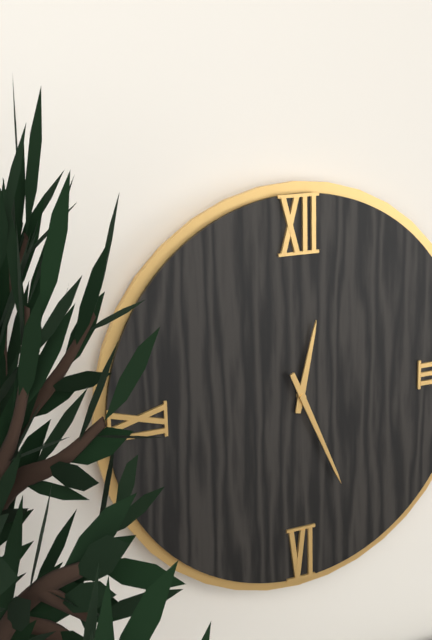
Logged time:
12h26
